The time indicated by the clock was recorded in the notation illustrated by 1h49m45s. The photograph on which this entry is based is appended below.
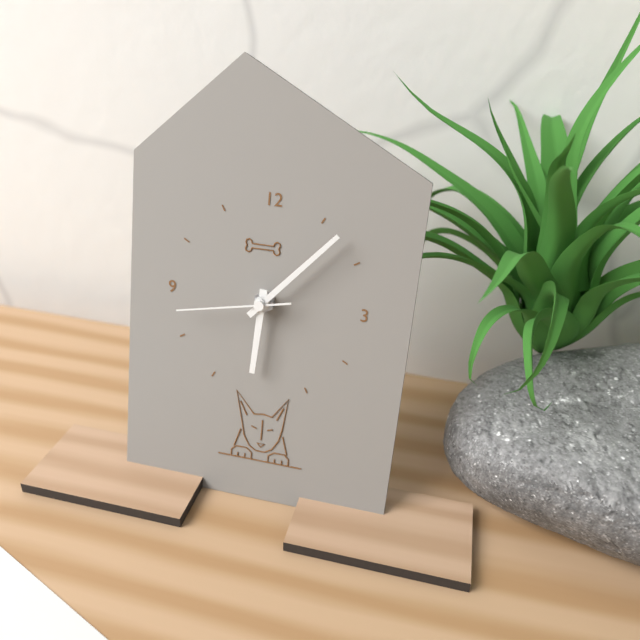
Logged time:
6h07m43s
